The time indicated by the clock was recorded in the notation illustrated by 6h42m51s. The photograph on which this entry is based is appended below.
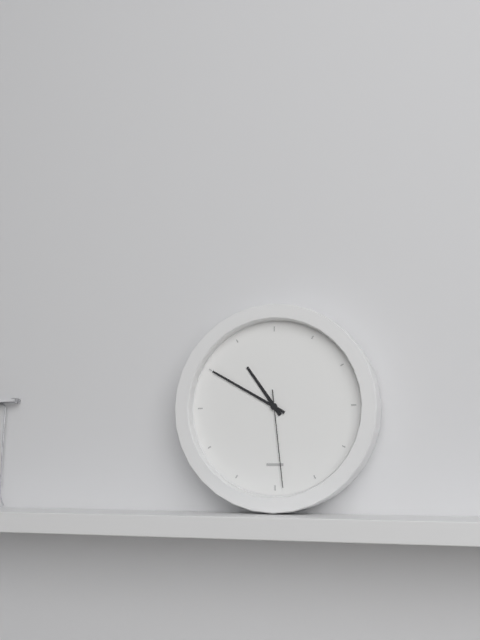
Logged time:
10h50m29s
